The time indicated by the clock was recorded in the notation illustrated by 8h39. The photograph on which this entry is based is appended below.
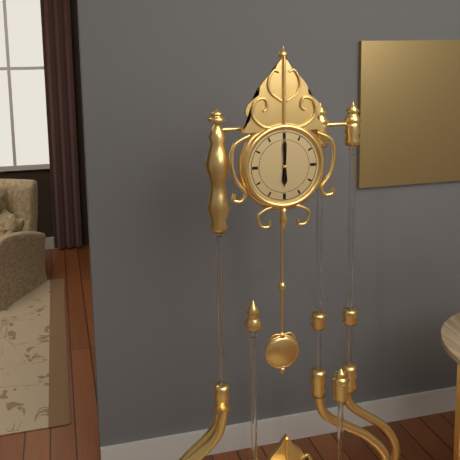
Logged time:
6h00
